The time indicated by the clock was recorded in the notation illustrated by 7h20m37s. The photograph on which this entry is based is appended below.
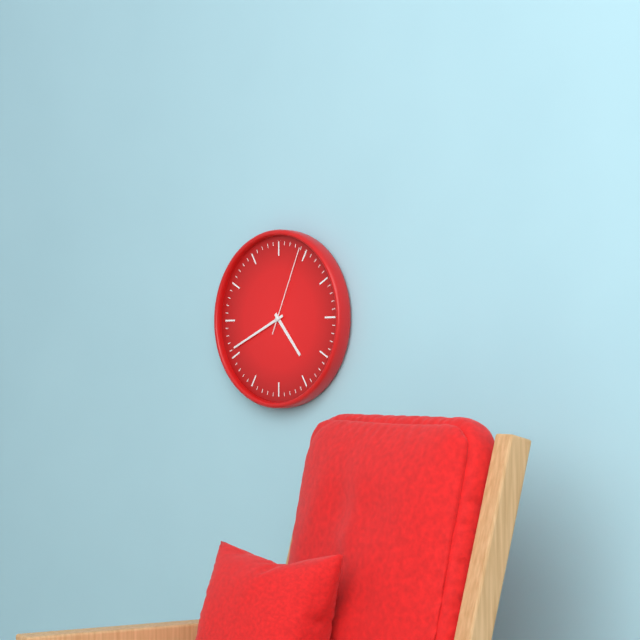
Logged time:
4h41m04s
